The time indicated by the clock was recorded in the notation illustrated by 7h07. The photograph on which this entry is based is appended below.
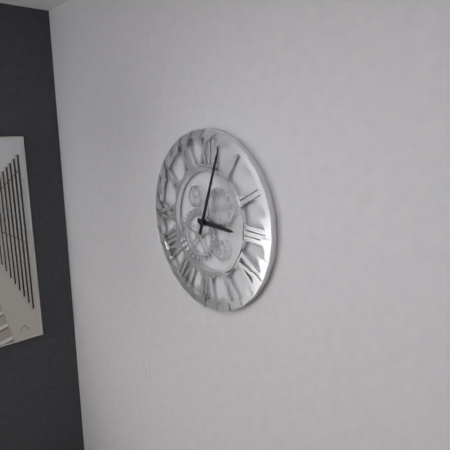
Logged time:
3h03
